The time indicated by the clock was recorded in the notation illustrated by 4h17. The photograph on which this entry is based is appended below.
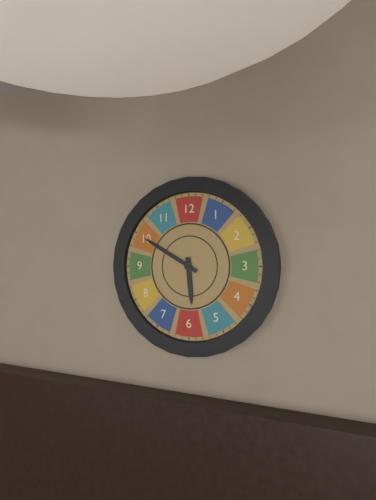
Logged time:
5h50
